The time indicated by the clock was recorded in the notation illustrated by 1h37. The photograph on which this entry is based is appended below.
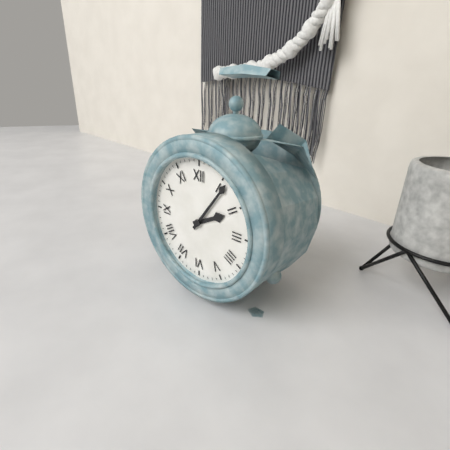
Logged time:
2h06
